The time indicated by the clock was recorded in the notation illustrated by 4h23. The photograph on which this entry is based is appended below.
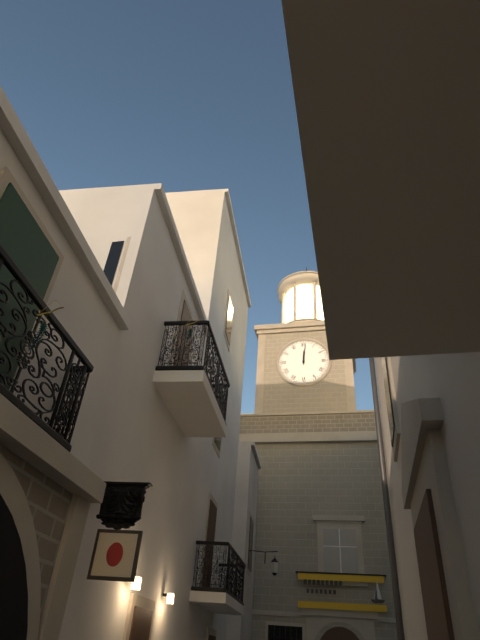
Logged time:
12h01
